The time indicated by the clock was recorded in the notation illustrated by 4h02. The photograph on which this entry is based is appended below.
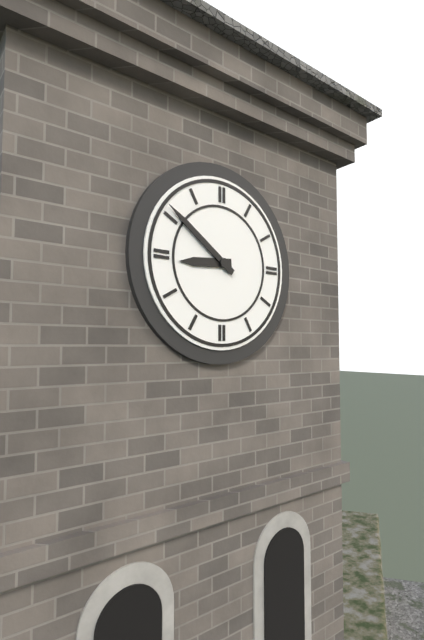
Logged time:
8h51
